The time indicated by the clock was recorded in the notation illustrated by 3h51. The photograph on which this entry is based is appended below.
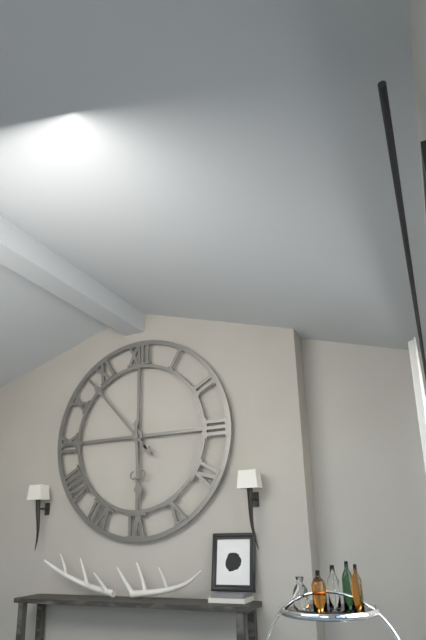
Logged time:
5h53
